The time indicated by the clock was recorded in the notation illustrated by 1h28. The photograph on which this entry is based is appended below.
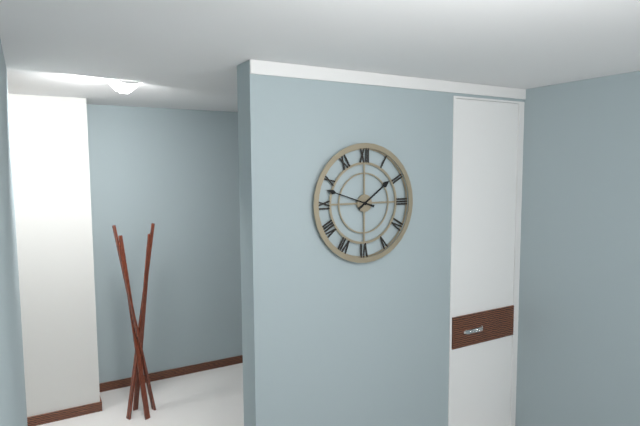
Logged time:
1h48
